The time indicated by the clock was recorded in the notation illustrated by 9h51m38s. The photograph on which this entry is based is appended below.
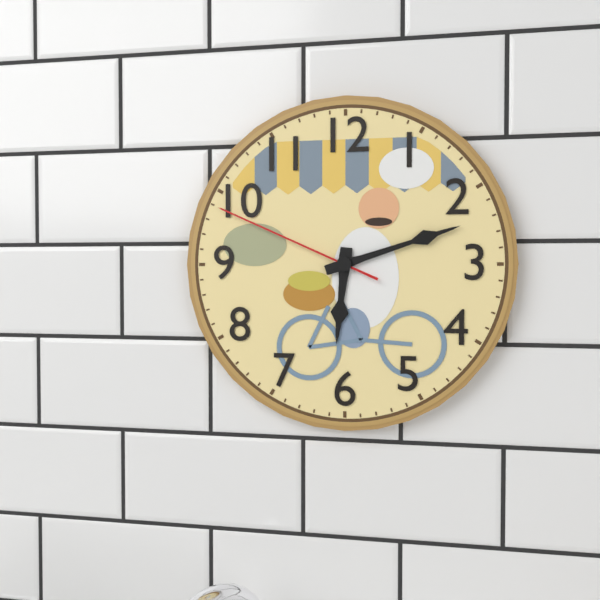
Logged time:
6h12m49s
